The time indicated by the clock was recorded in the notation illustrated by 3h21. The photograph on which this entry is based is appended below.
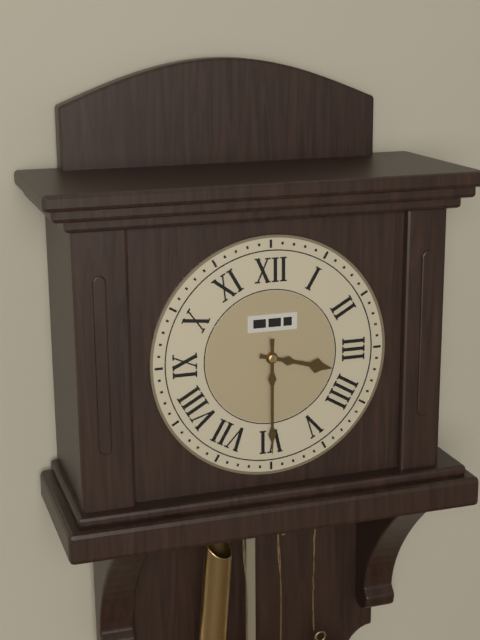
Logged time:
3h30
